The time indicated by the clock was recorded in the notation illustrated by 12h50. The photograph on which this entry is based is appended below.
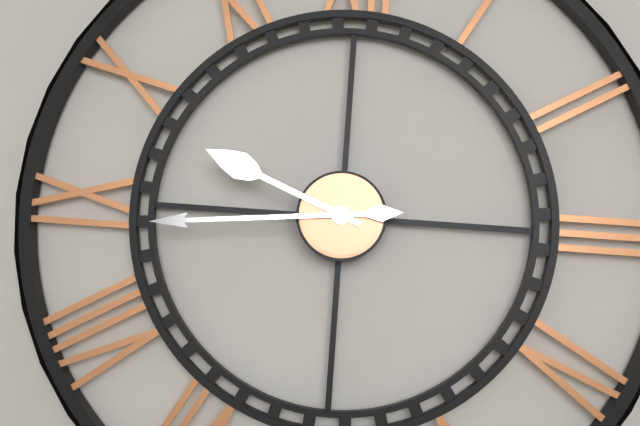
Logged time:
9h44
